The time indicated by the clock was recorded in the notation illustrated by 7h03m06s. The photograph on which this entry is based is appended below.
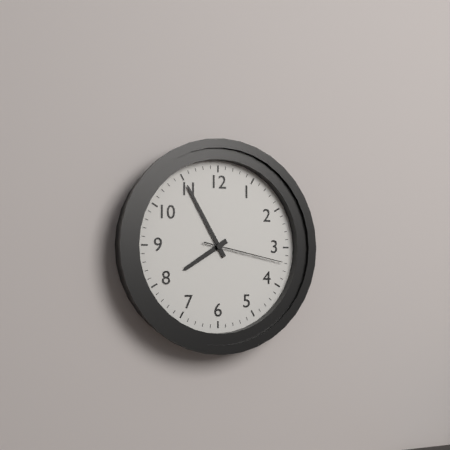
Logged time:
7h55m17s
